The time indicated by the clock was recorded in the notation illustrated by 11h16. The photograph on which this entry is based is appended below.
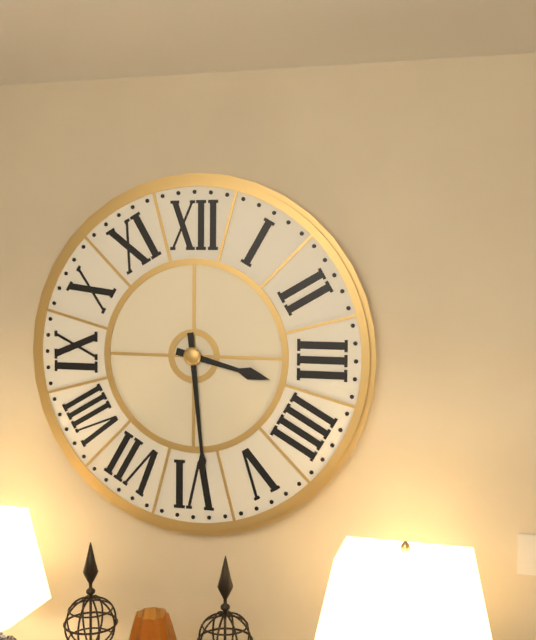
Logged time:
3h29
